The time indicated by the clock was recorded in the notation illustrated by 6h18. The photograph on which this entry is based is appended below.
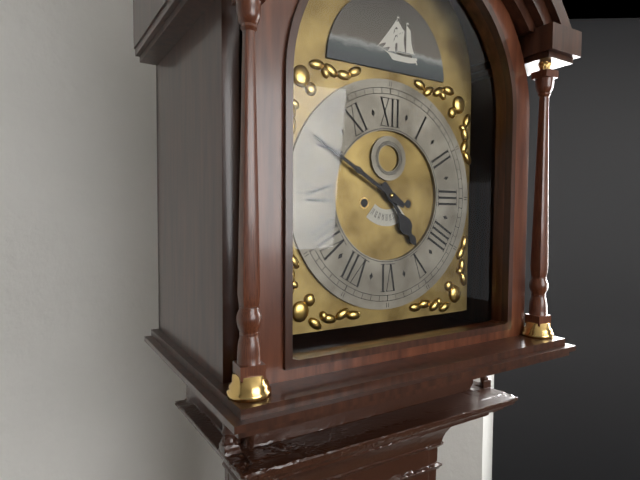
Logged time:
4h50
